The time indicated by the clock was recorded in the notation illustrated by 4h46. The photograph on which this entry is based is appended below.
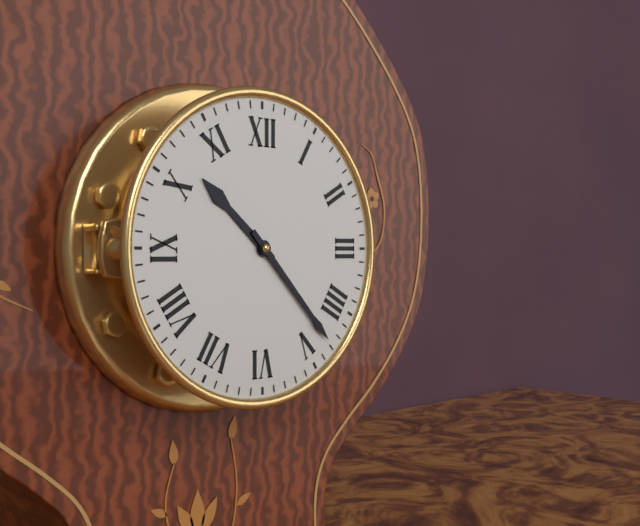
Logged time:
10h23
